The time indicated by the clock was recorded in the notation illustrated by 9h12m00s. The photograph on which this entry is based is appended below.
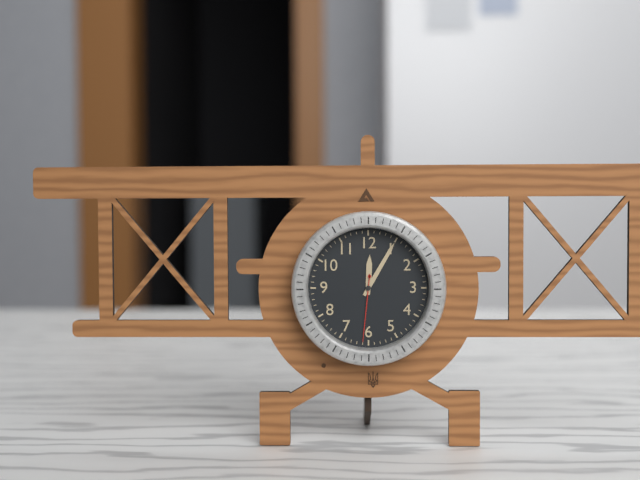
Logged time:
12h05m31s
